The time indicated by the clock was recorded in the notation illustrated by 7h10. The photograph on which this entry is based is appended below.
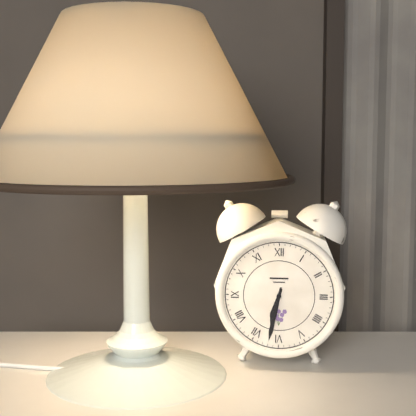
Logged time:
6h32
